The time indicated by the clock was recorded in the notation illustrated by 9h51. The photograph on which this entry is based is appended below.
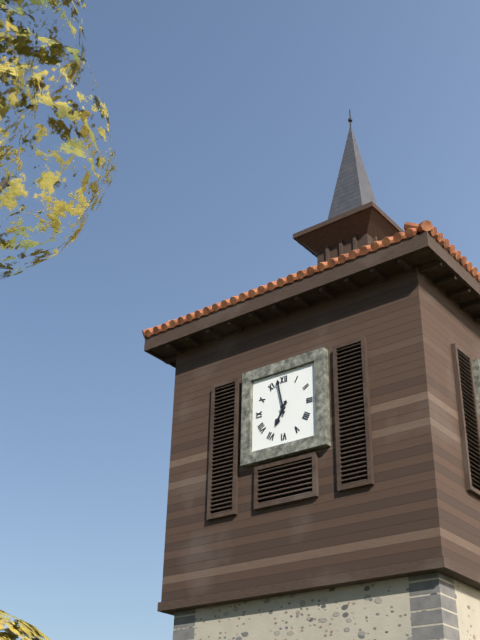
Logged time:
6h58
